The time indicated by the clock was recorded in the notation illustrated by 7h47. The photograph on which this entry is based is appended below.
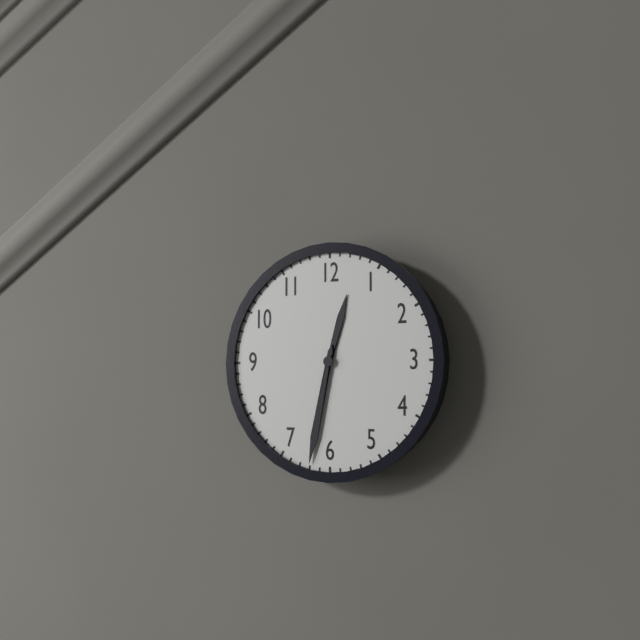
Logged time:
12h32
